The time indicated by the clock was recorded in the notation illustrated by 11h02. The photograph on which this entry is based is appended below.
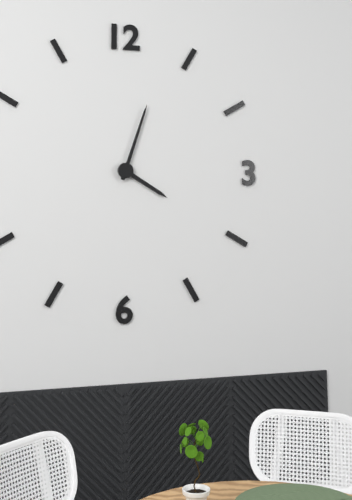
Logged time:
4h03
